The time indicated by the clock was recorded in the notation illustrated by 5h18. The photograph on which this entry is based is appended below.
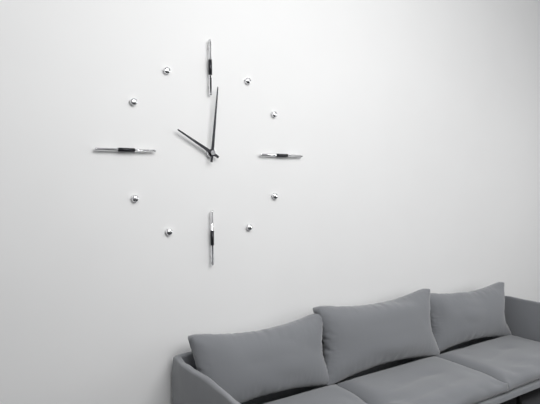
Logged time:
10h01
